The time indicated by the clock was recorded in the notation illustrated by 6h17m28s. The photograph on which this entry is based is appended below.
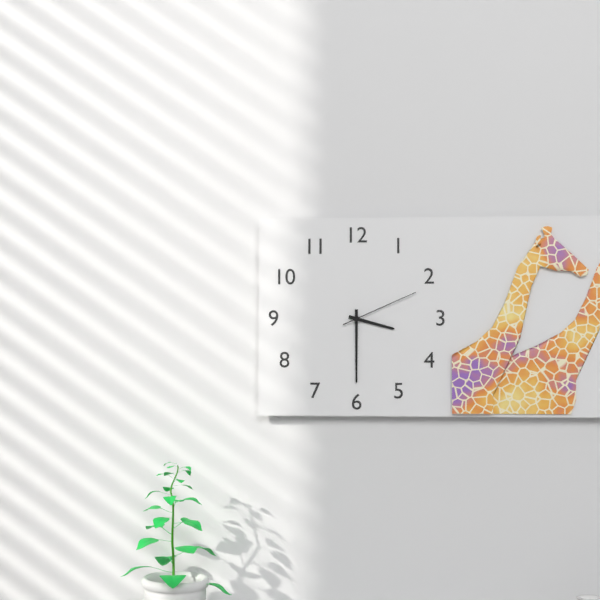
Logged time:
3h30m11s
